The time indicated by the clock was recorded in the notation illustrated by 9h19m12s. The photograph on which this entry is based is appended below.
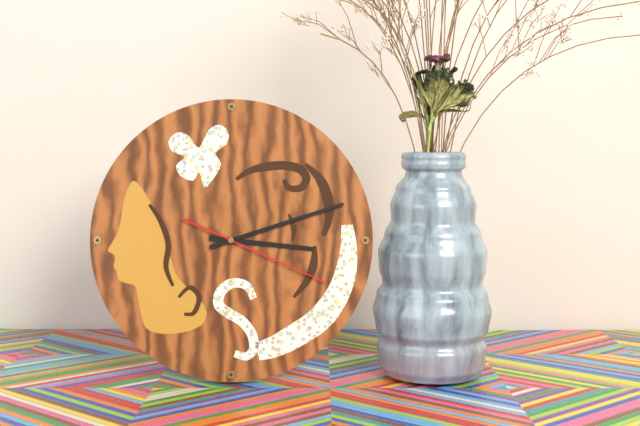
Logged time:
3h12m19s
